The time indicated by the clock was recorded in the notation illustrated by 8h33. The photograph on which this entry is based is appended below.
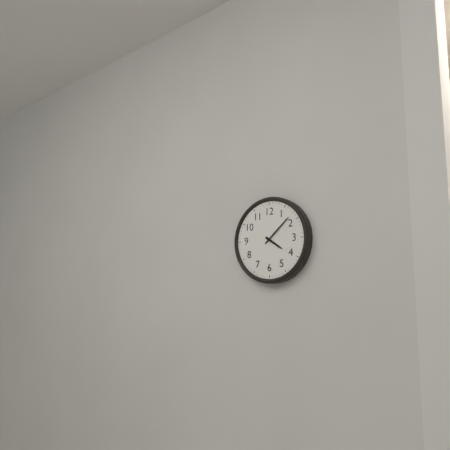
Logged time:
4h08
